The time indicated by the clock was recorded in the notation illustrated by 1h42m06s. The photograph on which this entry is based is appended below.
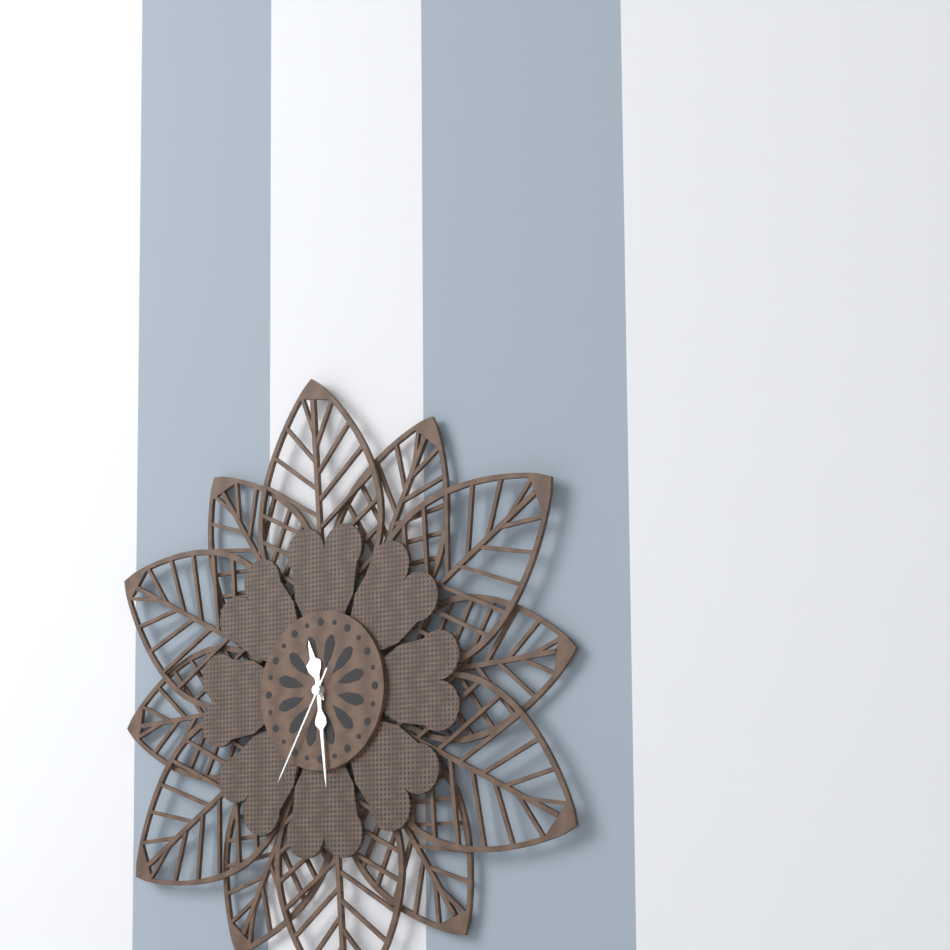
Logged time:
11h29m35s
